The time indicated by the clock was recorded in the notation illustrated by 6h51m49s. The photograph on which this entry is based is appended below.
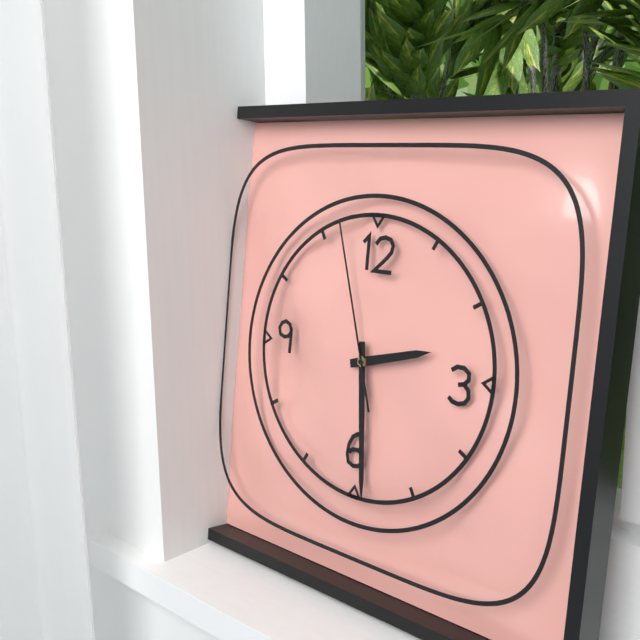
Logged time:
2h29m57s
